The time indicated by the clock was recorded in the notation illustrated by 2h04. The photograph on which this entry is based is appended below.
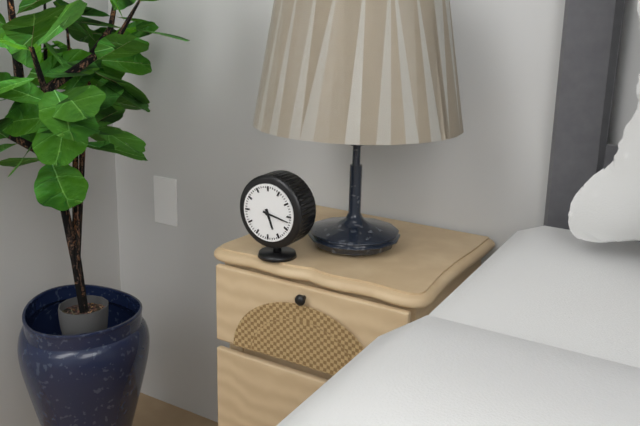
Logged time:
5h17
